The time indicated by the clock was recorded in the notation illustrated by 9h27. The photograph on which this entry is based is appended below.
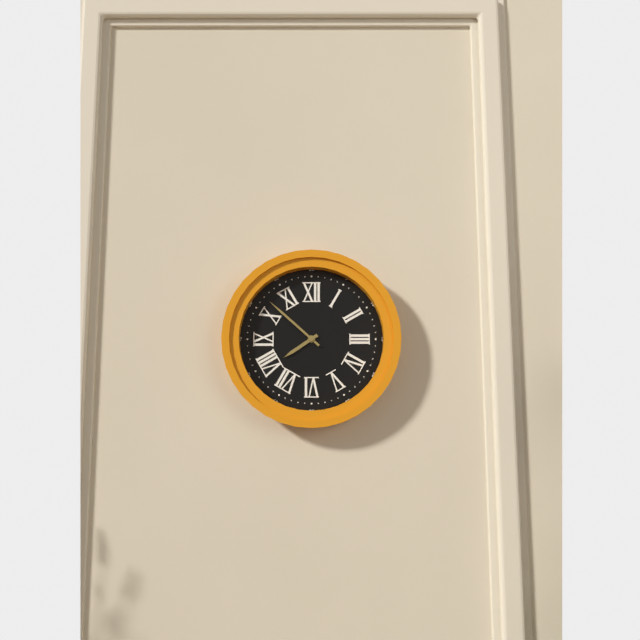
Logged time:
7h52
